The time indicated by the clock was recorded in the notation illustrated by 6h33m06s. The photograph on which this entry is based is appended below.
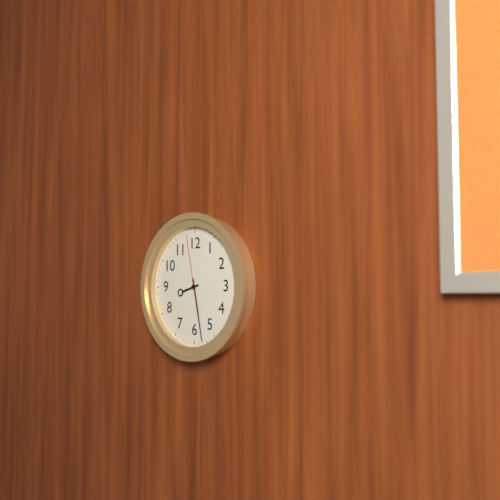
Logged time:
8h28m58s
